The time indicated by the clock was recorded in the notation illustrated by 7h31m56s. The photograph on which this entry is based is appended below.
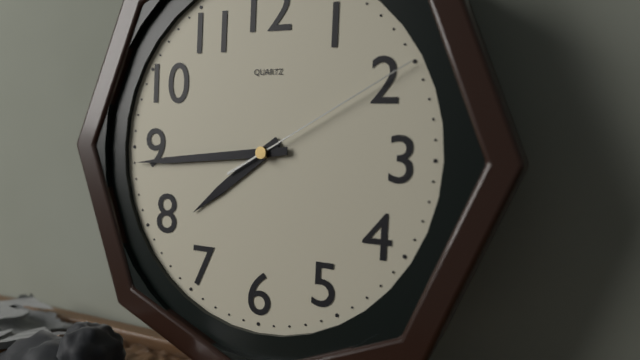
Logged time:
7h44m10s
